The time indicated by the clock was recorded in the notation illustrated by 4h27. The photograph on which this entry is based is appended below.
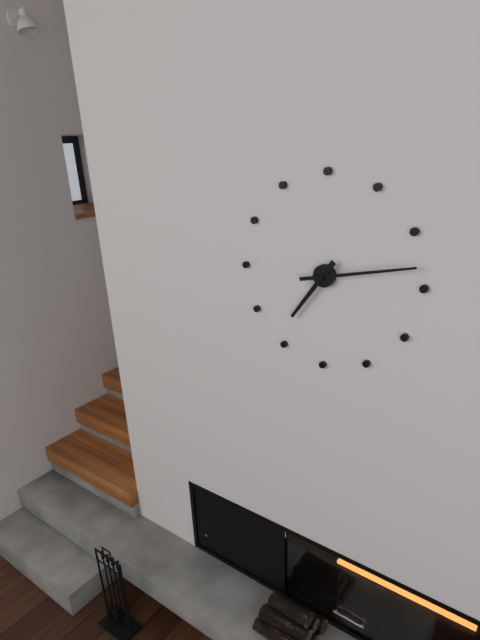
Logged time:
7h13
